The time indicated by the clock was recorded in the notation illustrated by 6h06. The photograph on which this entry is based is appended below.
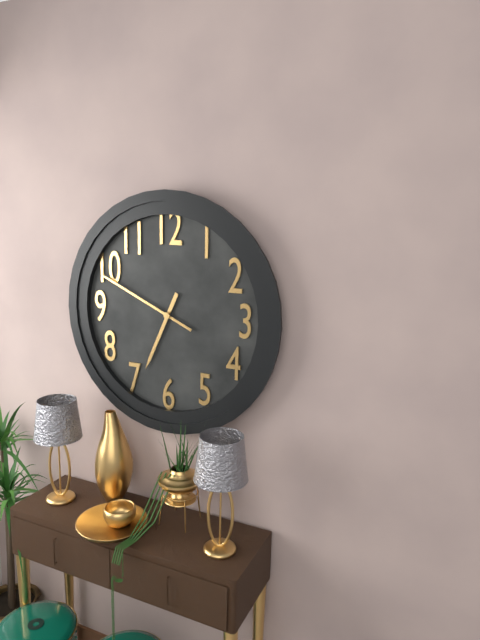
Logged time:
6h49
